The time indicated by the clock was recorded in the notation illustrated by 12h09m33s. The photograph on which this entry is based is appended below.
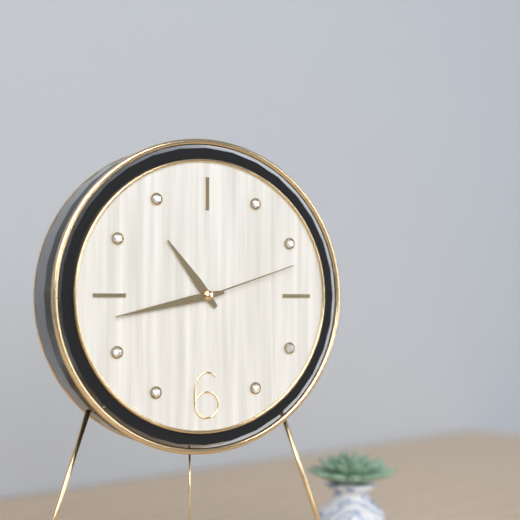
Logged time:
10h43m12s
